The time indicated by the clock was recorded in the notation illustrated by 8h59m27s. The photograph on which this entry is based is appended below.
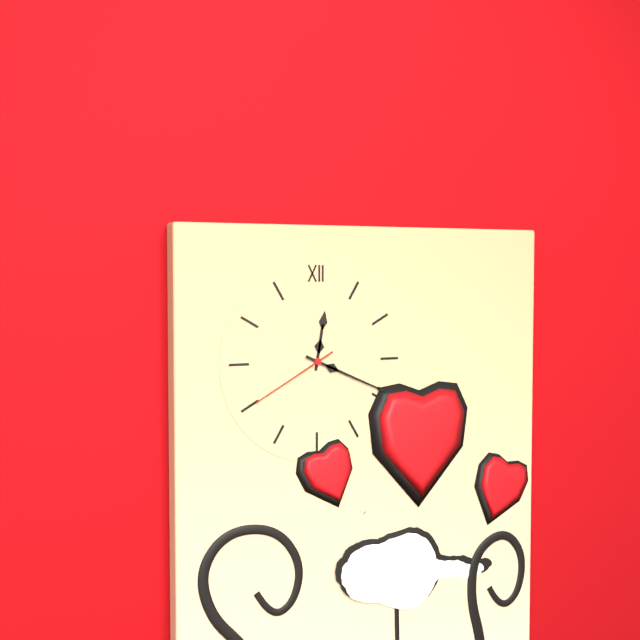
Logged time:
12h19m40s
